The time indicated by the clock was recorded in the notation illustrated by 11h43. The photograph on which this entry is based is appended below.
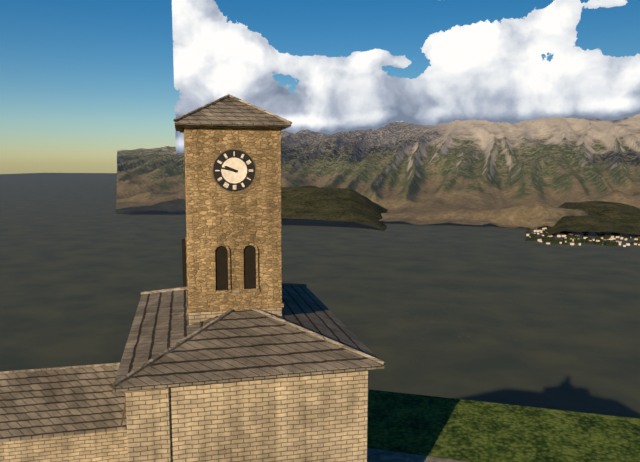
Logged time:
9h47
